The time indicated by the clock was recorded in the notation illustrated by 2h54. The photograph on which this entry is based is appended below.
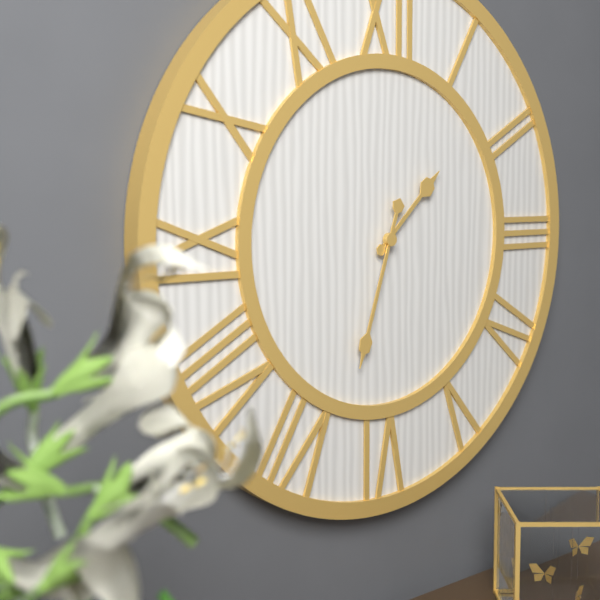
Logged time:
1h33
